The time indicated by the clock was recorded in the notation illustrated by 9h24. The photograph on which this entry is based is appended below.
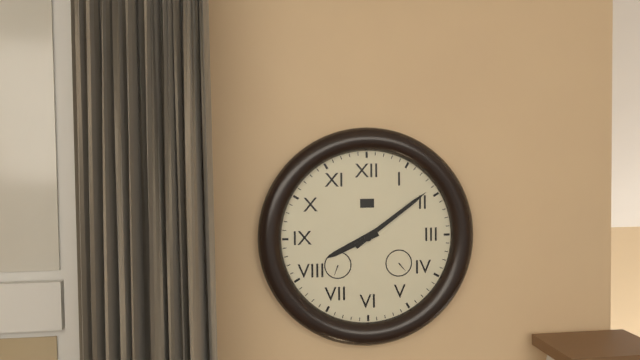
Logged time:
8h09
